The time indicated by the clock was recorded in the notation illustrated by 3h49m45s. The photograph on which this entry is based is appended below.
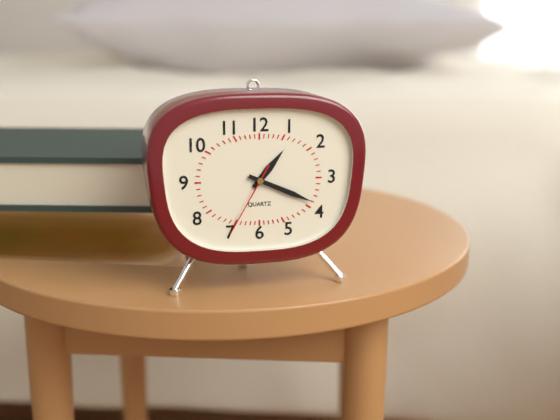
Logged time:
1h19m35s
